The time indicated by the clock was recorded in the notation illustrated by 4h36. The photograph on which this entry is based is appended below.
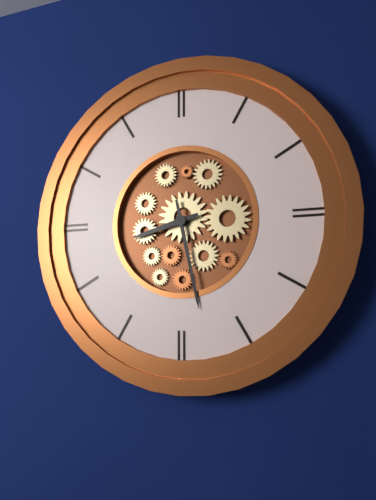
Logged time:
8h28
